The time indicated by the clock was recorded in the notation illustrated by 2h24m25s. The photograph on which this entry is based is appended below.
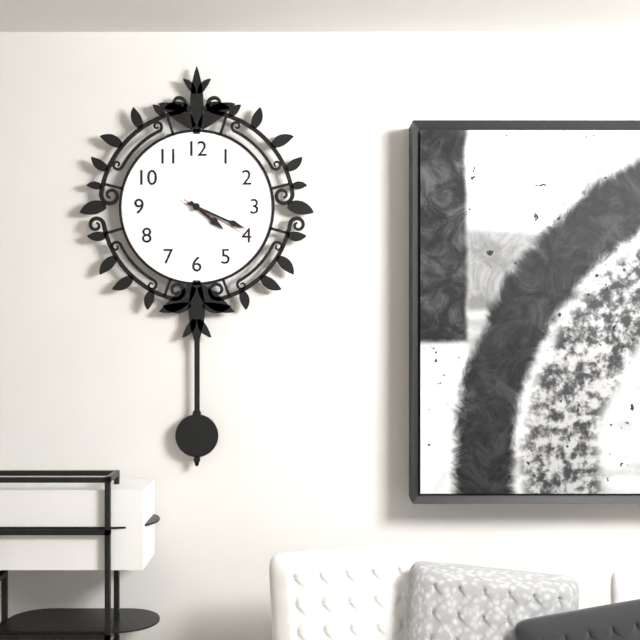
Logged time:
4h19m20s
